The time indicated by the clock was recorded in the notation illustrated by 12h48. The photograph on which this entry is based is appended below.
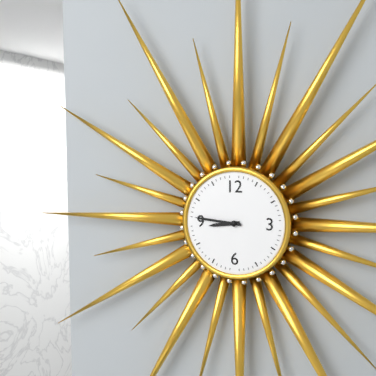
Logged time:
8h46
